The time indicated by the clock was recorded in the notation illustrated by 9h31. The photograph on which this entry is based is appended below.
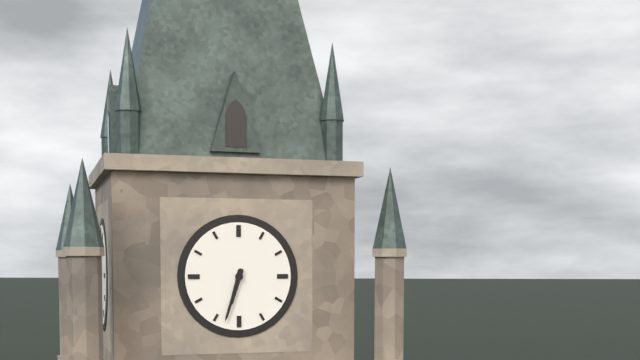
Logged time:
6h33
